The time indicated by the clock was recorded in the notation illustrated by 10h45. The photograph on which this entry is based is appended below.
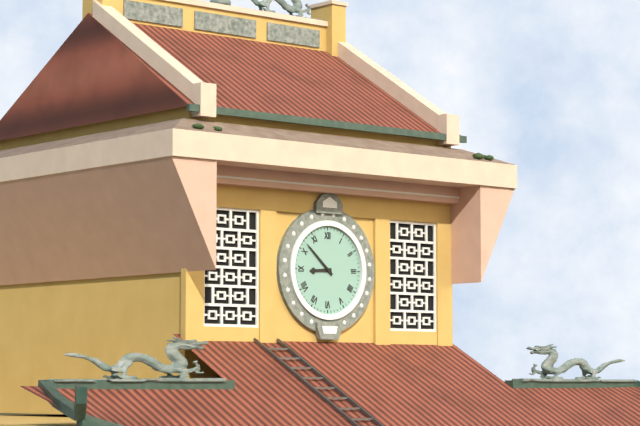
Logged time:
8h52
